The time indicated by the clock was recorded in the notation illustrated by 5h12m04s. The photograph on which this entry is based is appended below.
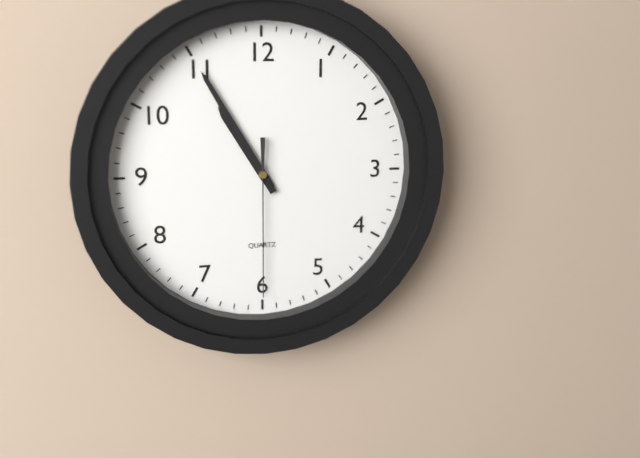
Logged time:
10h55m30s
